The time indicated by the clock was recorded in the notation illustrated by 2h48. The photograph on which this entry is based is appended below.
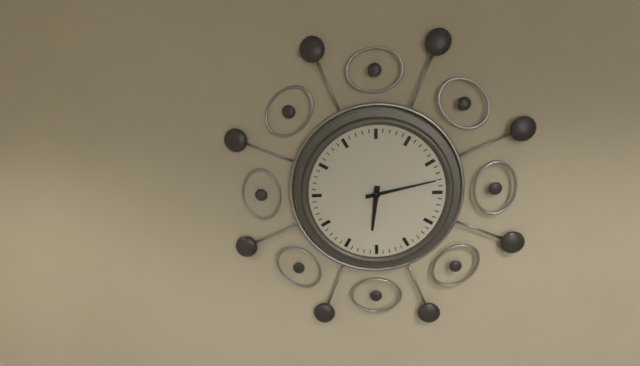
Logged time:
6h13
